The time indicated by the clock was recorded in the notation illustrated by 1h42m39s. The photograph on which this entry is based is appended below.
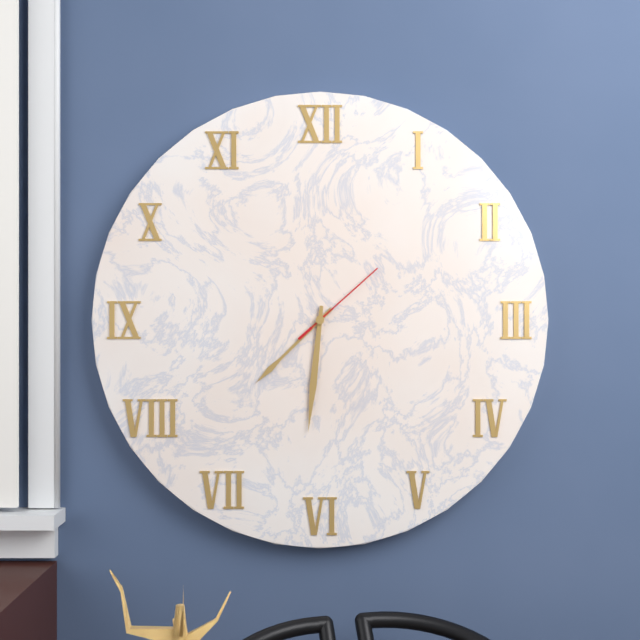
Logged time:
7h31m08s
